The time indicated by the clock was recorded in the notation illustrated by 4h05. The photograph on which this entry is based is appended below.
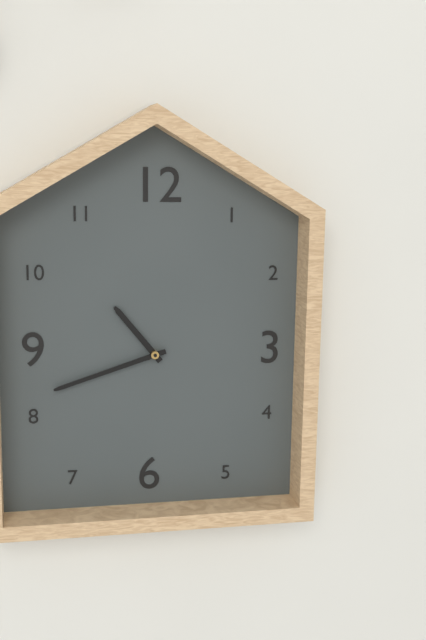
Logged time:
10h42
